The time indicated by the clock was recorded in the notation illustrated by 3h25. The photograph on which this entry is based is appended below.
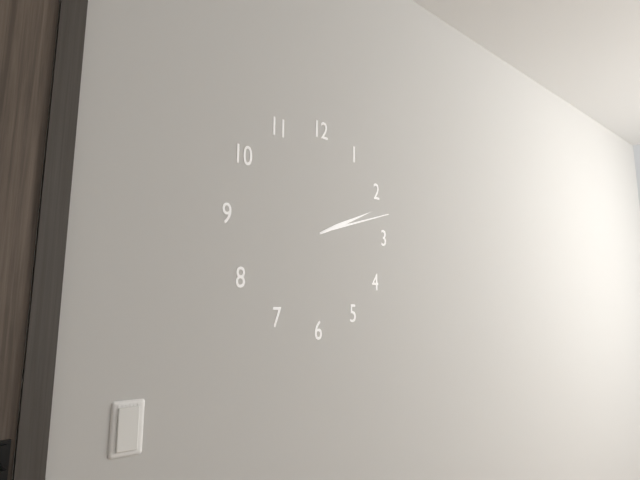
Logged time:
2h12
